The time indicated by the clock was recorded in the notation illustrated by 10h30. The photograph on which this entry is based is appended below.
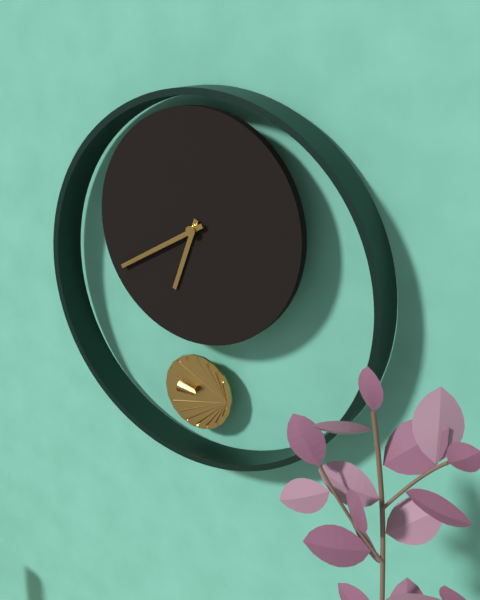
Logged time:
6h40
